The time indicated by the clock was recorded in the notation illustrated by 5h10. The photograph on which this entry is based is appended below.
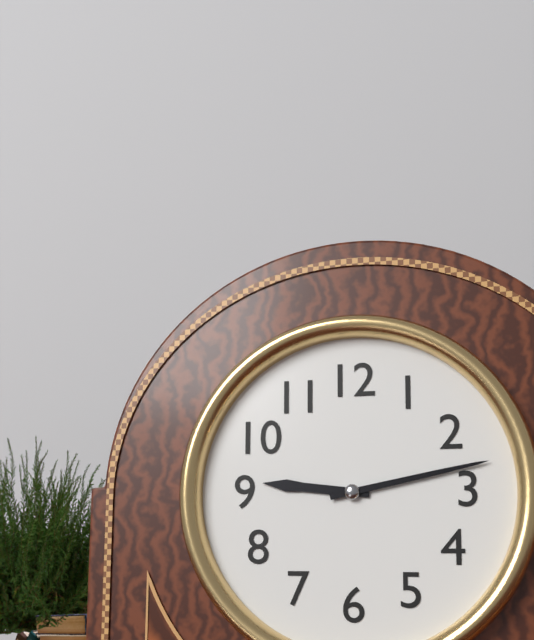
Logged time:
9h13
